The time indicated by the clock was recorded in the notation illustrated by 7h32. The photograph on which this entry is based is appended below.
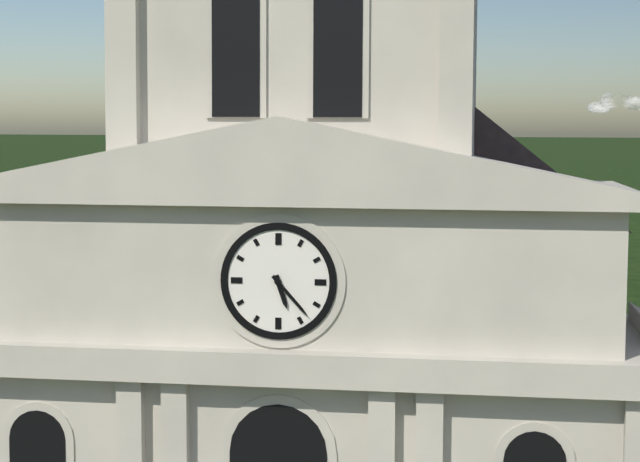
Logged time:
5h23
